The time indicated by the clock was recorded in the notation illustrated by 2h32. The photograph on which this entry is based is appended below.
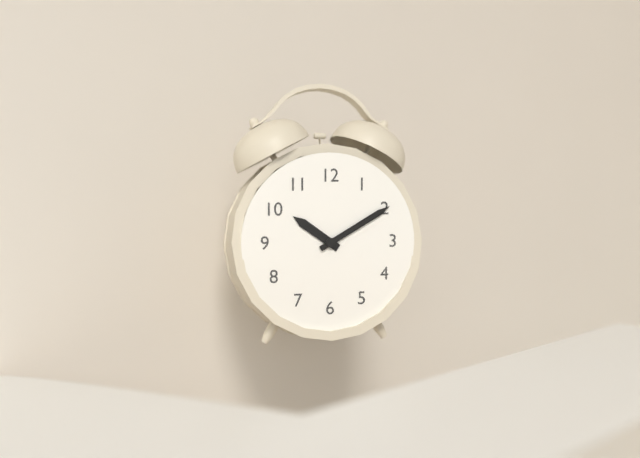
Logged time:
10h10
